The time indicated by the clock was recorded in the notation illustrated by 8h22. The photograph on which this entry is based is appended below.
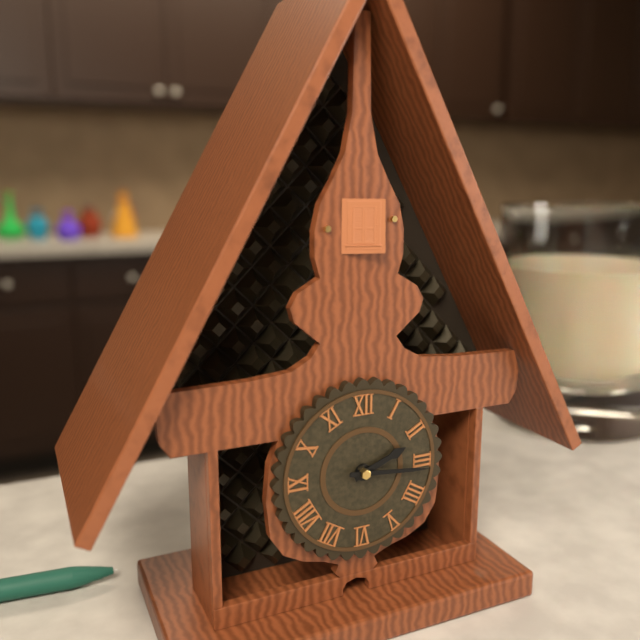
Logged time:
2h16
